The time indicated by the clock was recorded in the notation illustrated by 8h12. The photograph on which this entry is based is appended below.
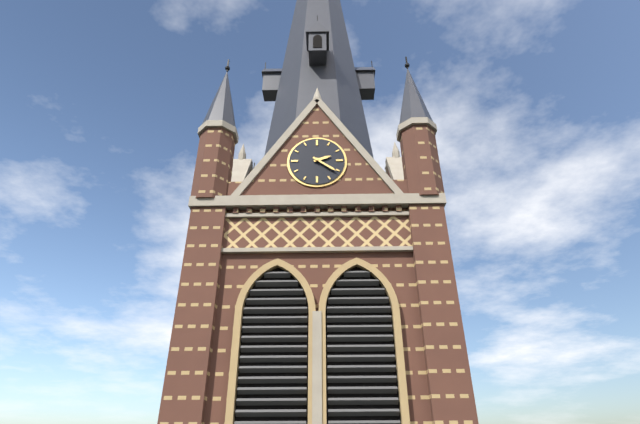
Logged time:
2h21
